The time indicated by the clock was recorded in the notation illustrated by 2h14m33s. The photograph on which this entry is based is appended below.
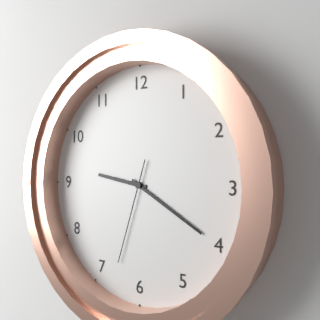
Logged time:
9h20m33s
